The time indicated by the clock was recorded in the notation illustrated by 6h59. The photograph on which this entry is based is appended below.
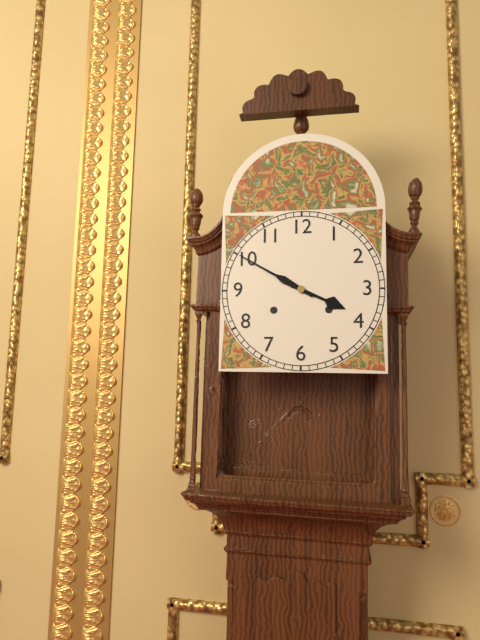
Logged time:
3h50
